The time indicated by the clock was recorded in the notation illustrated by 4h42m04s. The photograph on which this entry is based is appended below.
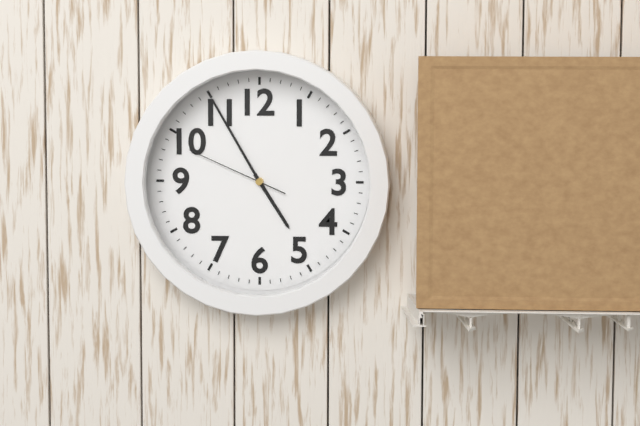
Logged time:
4h55m49s
